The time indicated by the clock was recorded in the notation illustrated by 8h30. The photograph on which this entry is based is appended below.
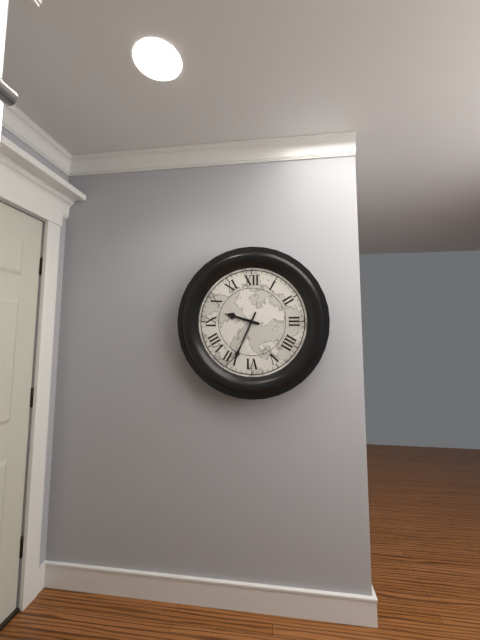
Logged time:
9h34
